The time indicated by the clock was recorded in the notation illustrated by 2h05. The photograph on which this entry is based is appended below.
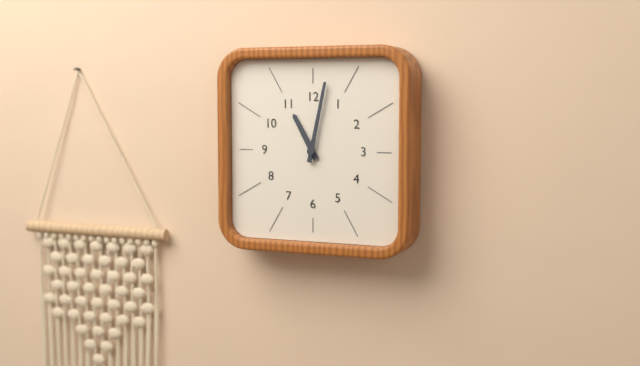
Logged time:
11h02
